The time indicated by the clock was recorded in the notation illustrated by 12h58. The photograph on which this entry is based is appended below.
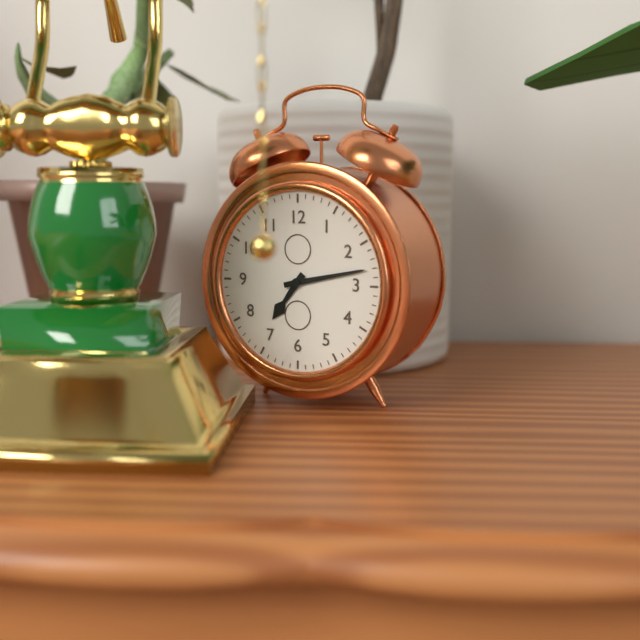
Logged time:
7h13
